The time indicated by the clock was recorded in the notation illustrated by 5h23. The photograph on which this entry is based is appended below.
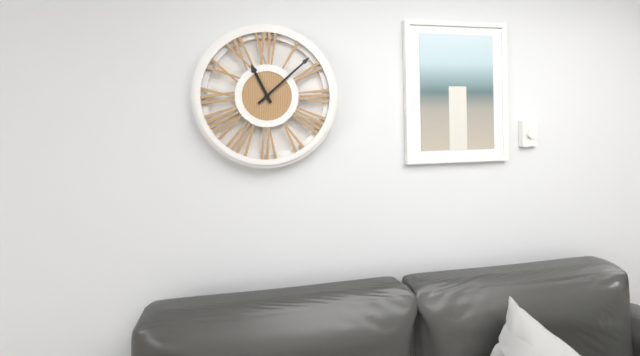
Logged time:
11h08
